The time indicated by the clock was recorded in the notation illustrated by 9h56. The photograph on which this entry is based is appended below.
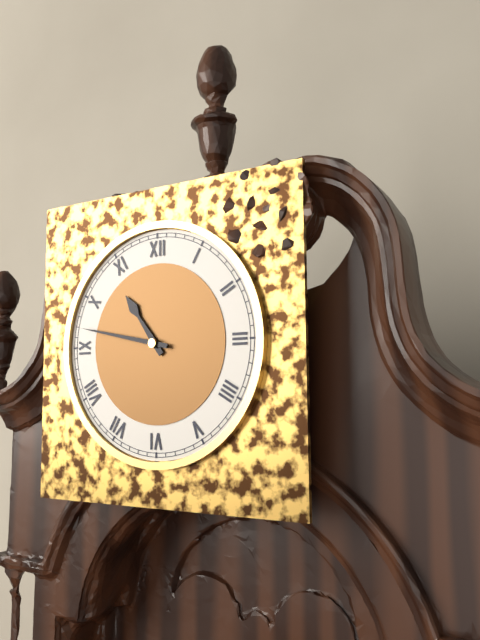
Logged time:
10h47
